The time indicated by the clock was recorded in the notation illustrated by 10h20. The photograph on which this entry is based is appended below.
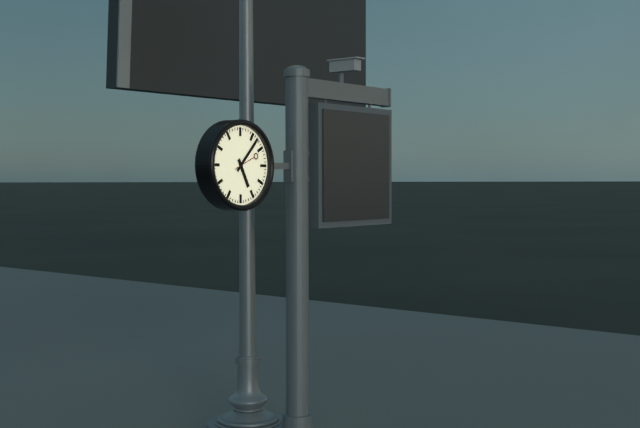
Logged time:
5h07
